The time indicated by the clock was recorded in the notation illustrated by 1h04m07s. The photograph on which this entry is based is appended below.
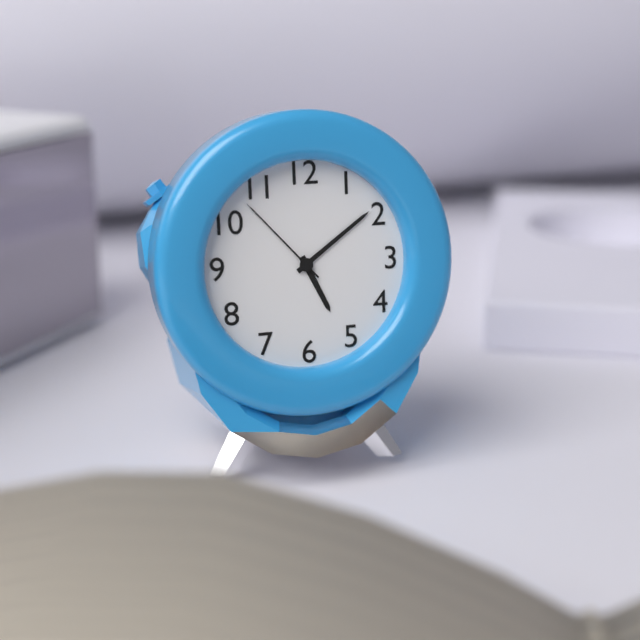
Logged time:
5h09m53s
